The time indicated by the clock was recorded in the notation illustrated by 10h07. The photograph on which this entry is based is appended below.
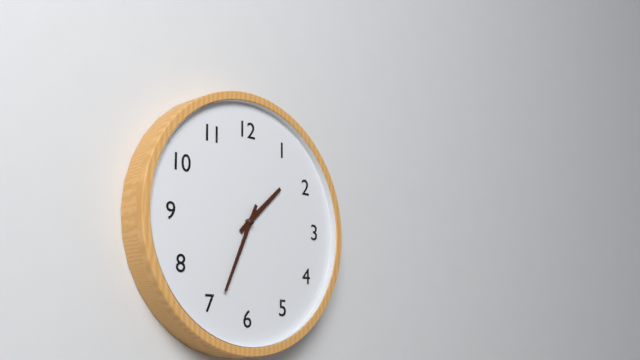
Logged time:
1h34
